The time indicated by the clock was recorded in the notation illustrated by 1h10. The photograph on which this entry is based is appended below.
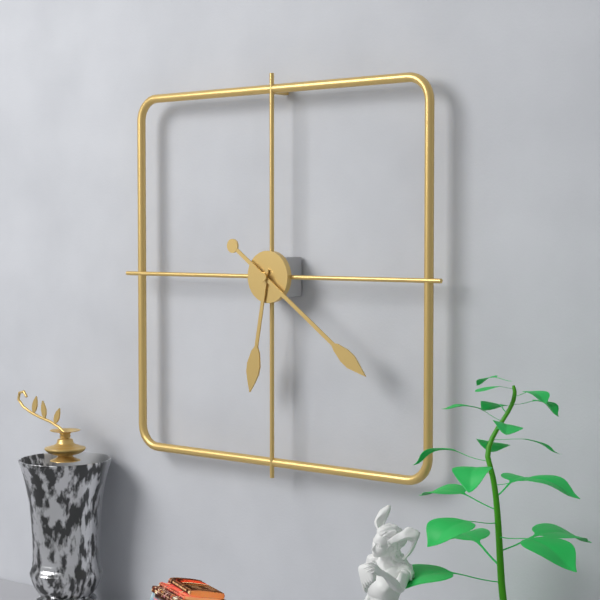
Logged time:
6h21
